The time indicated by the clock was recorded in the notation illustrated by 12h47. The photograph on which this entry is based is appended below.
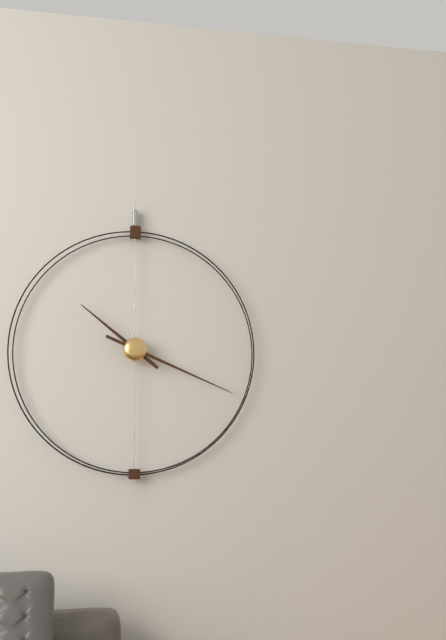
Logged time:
10h19
